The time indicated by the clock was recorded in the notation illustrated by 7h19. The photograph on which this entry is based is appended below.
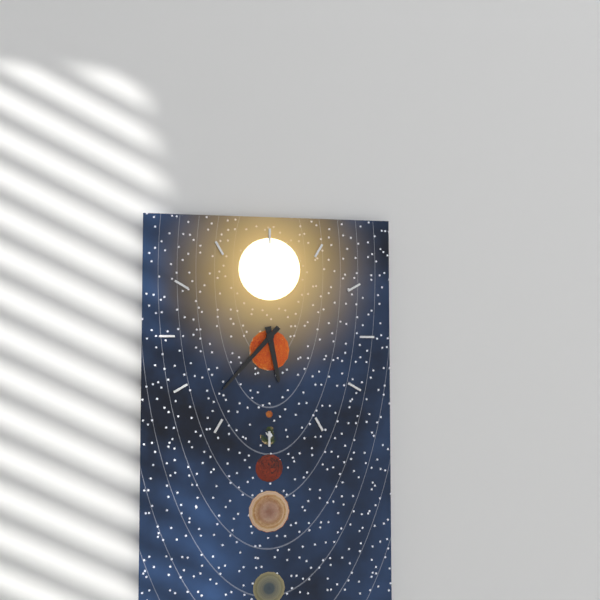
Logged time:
5h37
